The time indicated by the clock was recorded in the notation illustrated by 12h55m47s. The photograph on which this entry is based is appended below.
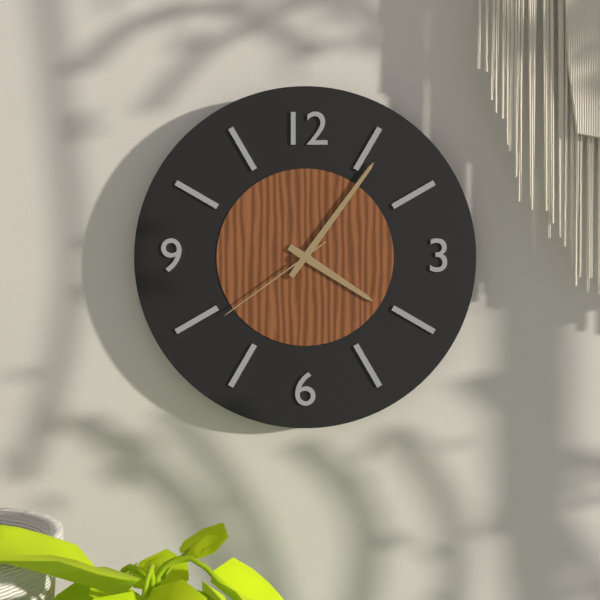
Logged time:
4h06m39s
